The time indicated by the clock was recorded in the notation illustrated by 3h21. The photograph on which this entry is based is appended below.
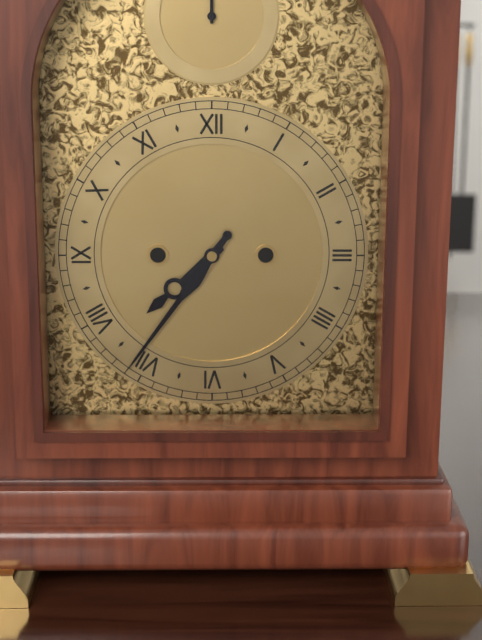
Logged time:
7h36
